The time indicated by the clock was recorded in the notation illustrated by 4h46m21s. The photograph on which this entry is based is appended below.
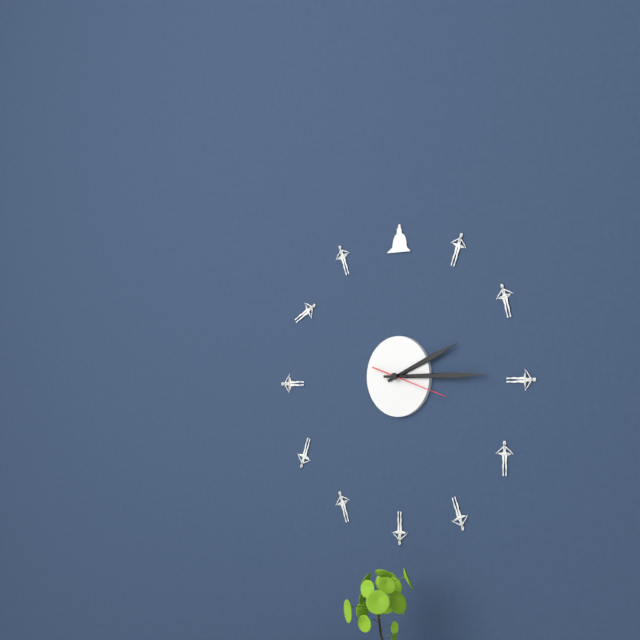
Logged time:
2h15m18s
